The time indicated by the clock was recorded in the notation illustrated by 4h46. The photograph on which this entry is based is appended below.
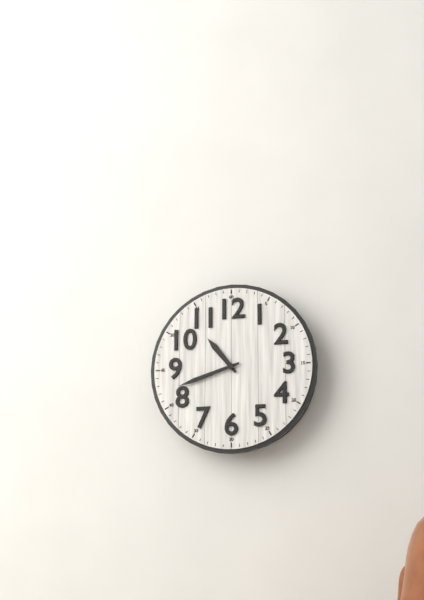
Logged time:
10h42
